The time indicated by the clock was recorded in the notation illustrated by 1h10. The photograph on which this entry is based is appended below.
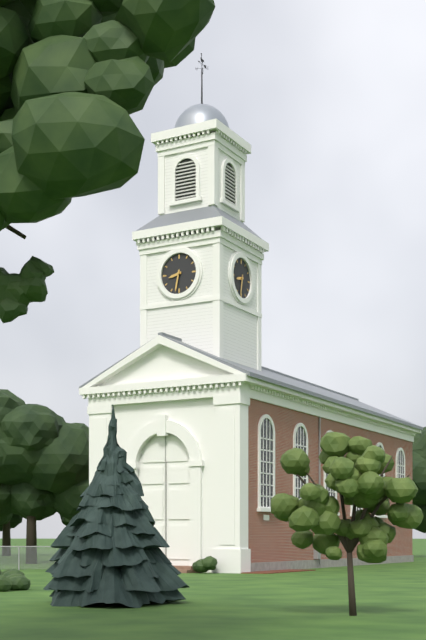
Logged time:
8h32
